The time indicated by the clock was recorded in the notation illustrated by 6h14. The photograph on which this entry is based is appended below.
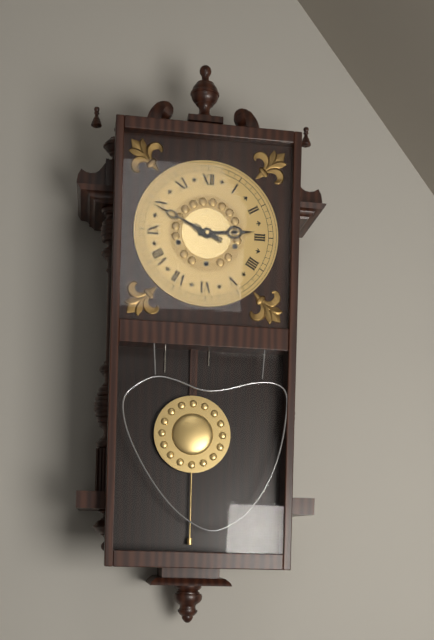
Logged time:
2h49
